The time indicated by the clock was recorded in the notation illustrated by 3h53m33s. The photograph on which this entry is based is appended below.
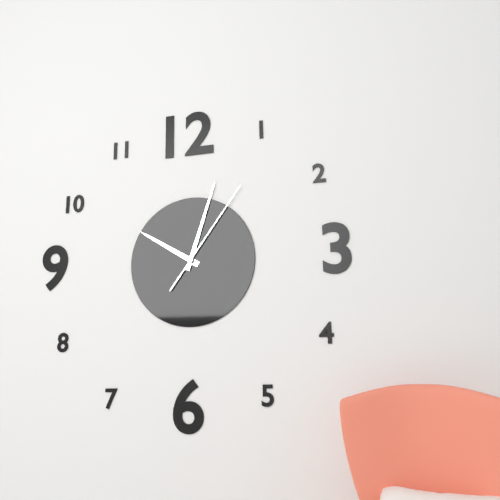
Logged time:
10h03m06s
